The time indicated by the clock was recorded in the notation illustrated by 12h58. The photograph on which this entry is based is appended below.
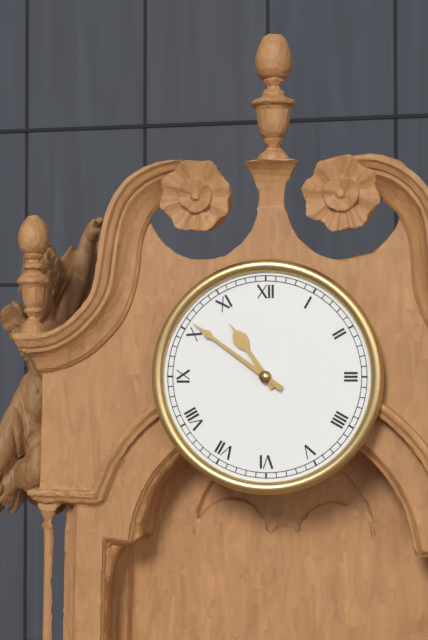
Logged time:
10h51
